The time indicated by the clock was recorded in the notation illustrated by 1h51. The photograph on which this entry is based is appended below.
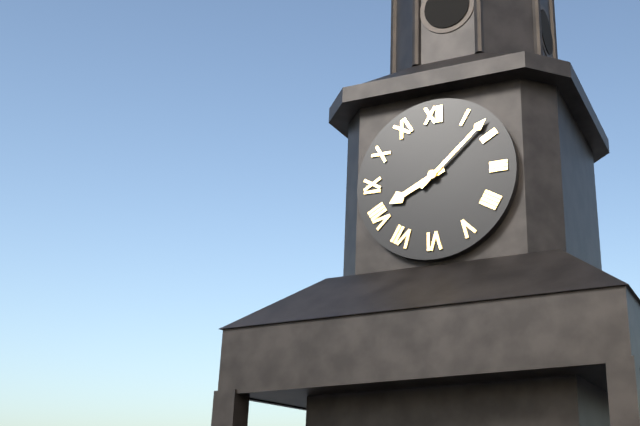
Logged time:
8h08
